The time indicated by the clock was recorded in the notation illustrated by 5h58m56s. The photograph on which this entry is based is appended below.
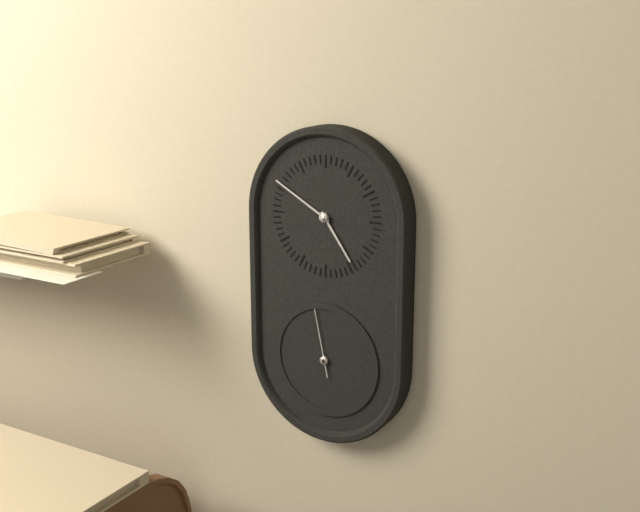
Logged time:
4h50m58s
